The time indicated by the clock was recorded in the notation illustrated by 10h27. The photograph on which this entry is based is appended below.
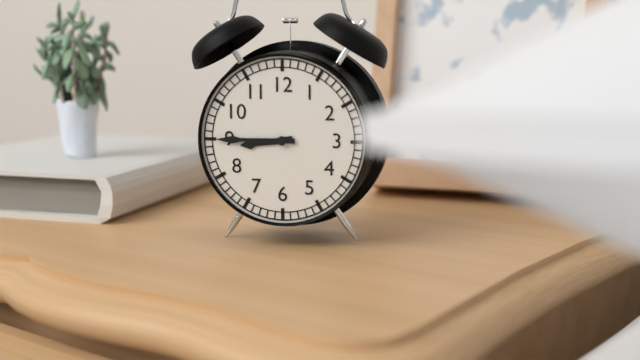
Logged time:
8h45
